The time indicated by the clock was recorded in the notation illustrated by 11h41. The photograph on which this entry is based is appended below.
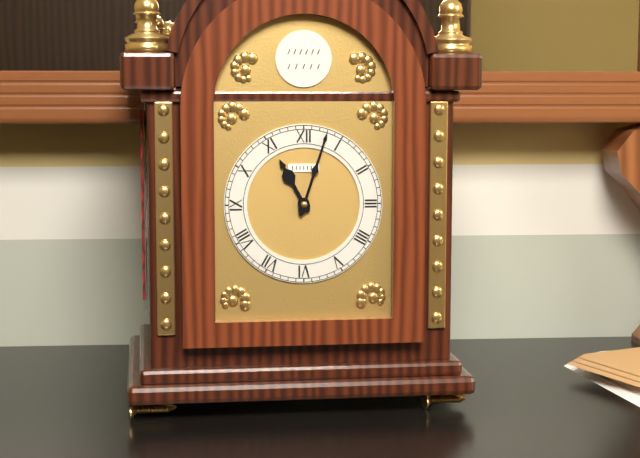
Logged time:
11h03
